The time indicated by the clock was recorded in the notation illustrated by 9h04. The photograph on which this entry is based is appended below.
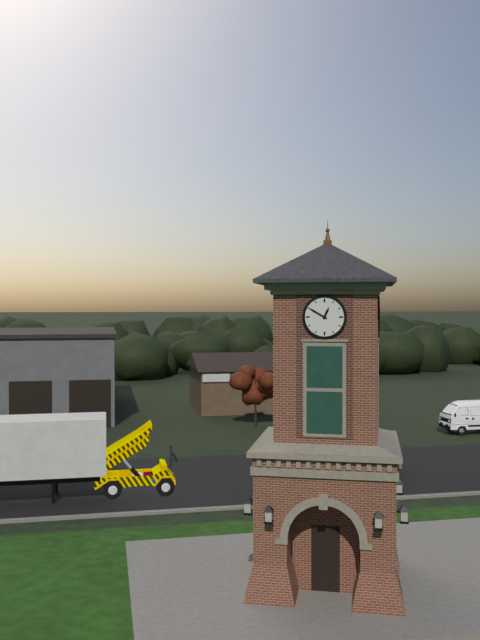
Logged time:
12h50
